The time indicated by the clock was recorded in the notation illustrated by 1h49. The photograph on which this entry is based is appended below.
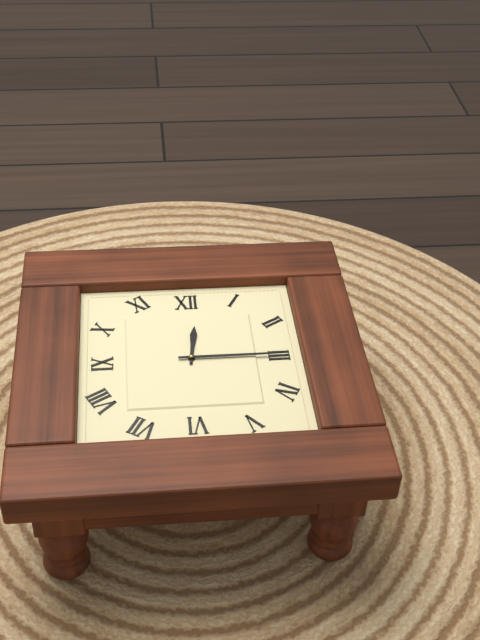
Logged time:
12h15
